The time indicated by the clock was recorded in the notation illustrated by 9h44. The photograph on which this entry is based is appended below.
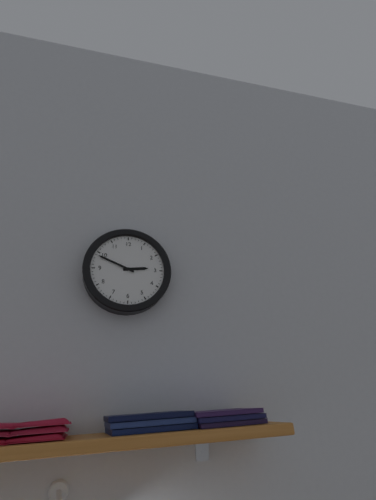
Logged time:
2h49
